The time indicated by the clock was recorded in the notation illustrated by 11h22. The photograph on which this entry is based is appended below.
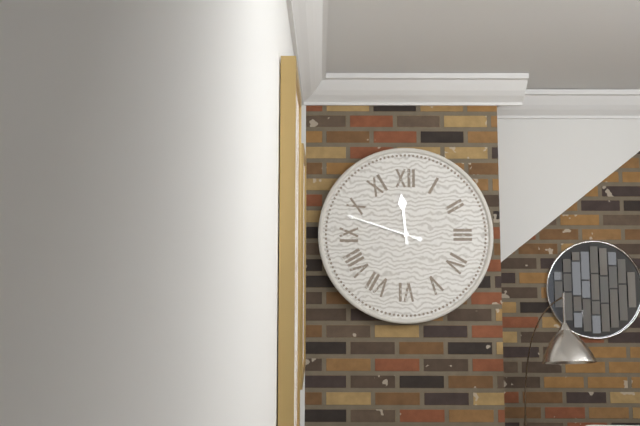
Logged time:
11h48
